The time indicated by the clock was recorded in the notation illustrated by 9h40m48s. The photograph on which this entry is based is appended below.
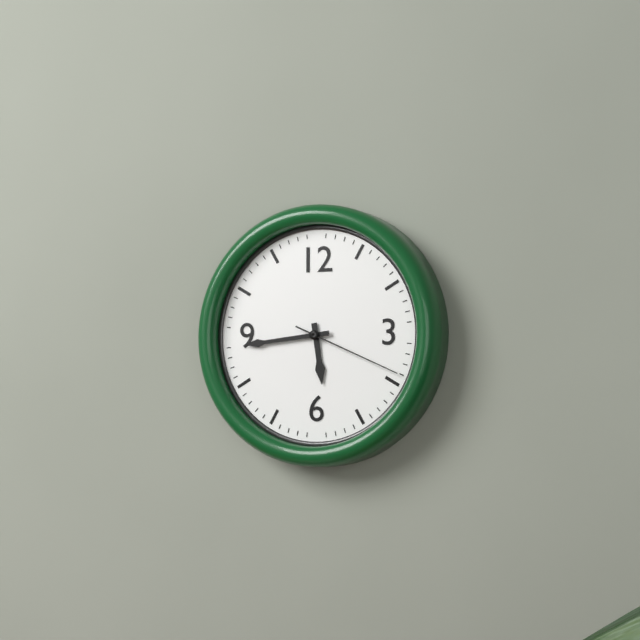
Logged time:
5h44m19s
